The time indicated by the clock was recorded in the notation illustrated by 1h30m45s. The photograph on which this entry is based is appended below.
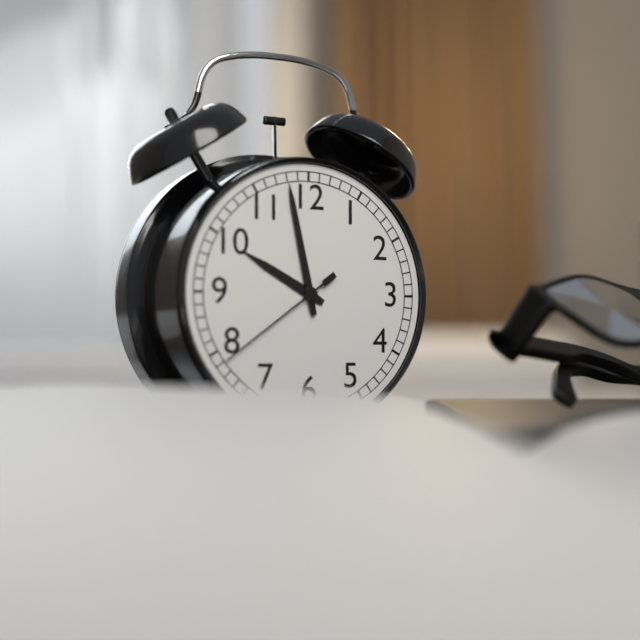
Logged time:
9h58m39s
